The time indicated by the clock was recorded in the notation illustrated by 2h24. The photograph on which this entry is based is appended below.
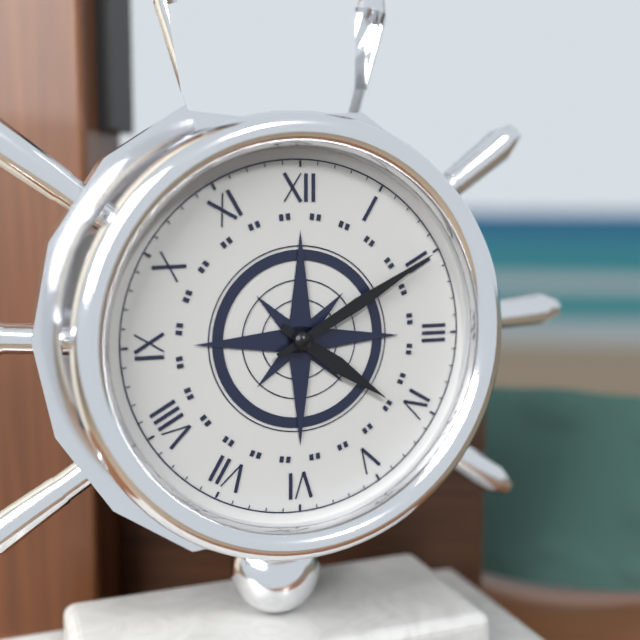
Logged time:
4h10
